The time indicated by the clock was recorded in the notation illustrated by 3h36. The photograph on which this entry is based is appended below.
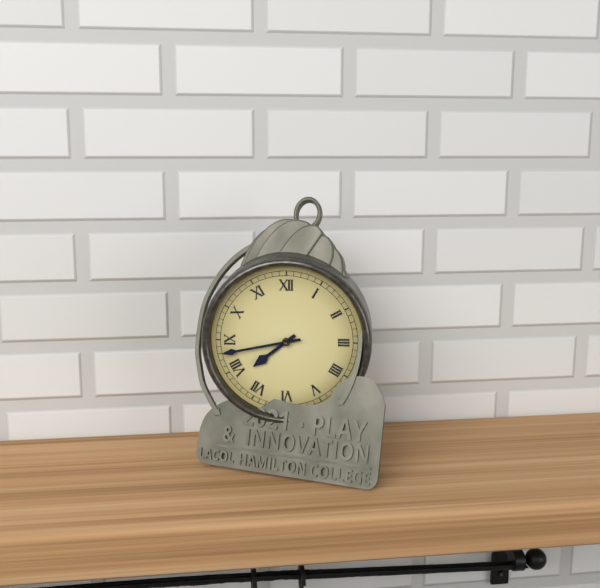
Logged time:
7h43
